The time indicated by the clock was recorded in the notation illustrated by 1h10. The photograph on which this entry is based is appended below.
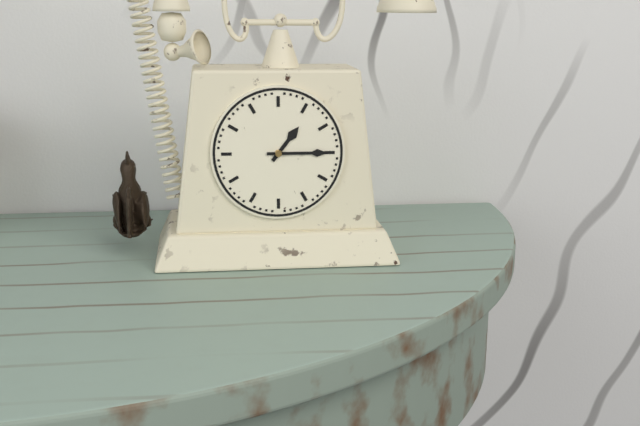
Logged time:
1h15
